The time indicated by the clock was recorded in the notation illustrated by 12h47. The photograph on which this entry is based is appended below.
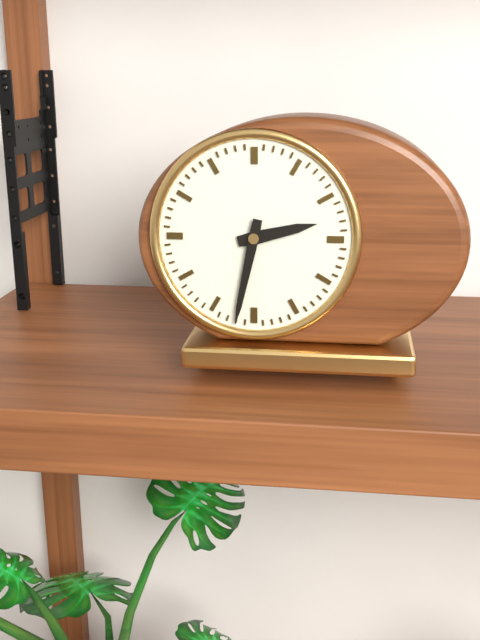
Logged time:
2h32
